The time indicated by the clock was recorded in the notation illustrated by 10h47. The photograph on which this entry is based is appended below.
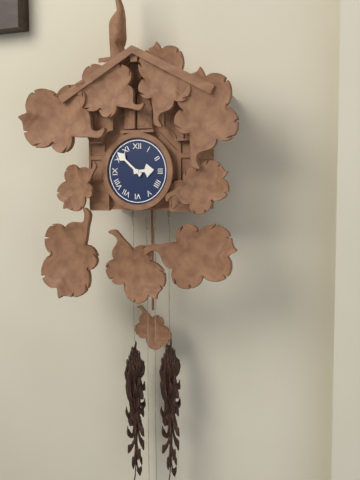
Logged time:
2h52
